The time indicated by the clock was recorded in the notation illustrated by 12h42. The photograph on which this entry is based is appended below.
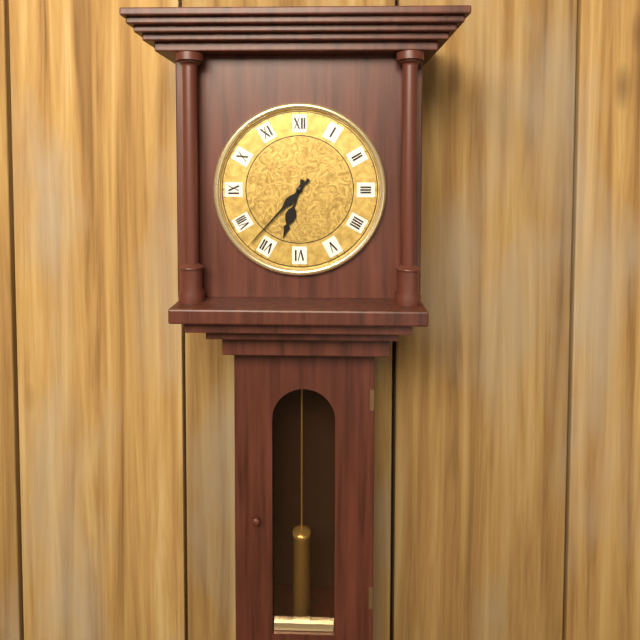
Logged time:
6h37
